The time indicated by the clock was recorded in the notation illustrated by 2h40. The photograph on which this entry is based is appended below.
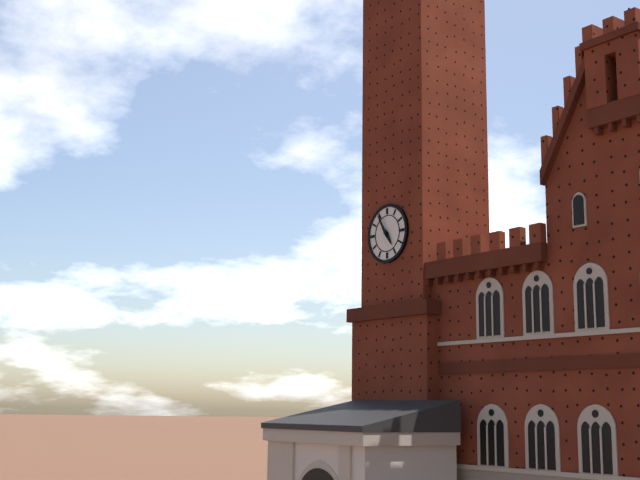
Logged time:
4h55
